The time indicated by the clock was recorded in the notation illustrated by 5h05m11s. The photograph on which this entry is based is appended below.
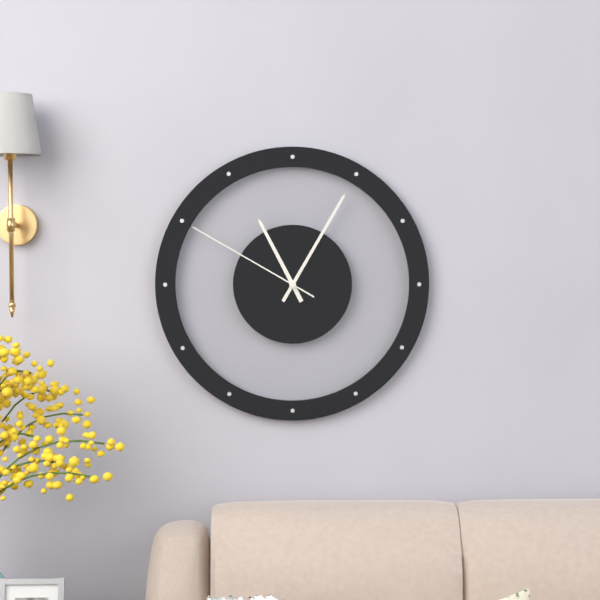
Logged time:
11h05m50s
